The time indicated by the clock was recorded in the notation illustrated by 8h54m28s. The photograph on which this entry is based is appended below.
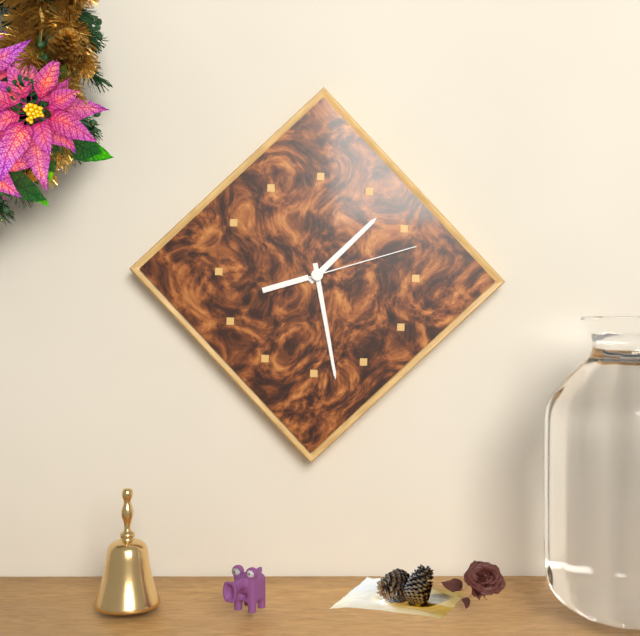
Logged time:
1h28m12s
